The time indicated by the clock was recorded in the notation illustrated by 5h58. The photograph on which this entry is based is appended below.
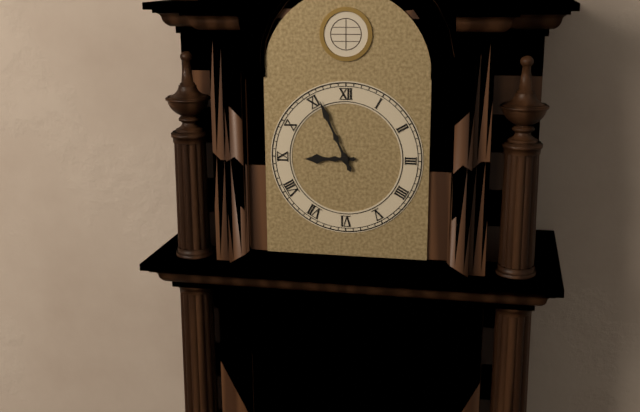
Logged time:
8h56
